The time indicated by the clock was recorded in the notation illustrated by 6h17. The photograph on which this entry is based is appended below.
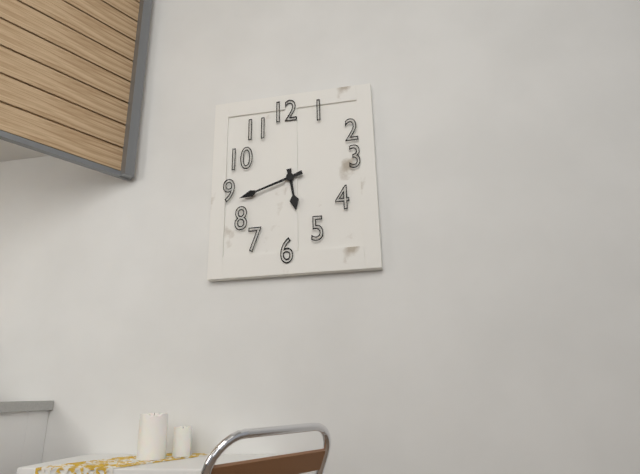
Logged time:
5h42
